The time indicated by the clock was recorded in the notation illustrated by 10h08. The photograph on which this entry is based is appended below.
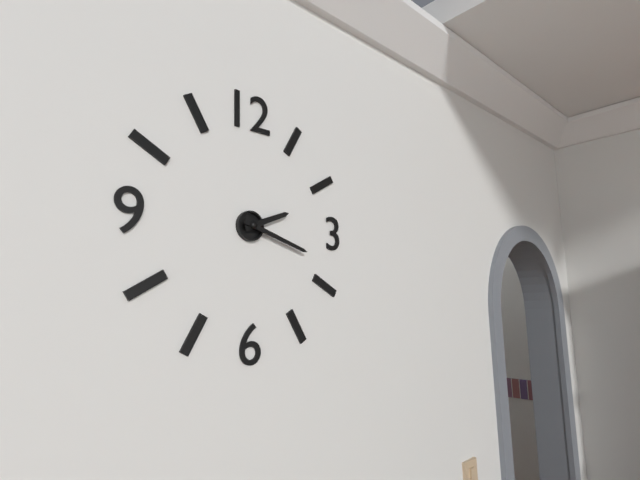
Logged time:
2h18
